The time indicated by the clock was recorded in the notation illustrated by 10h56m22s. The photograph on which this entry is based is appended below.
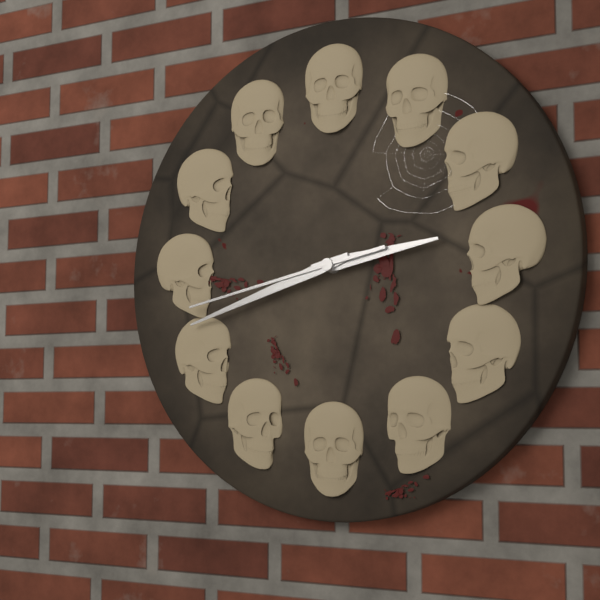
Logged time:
2h42m43s
